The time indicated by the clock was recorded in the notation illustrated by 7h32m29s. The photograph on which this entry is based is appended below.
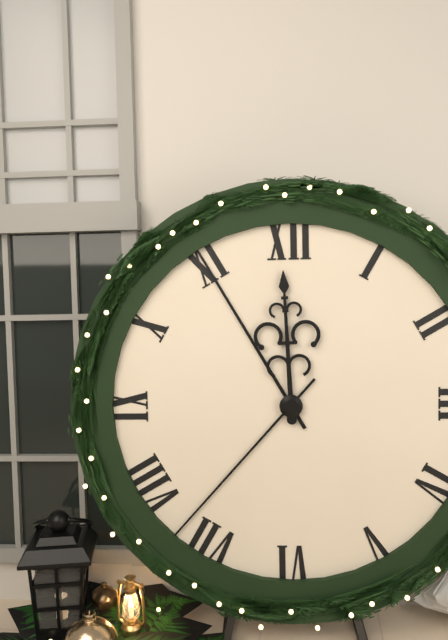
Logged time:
11h55m37s
